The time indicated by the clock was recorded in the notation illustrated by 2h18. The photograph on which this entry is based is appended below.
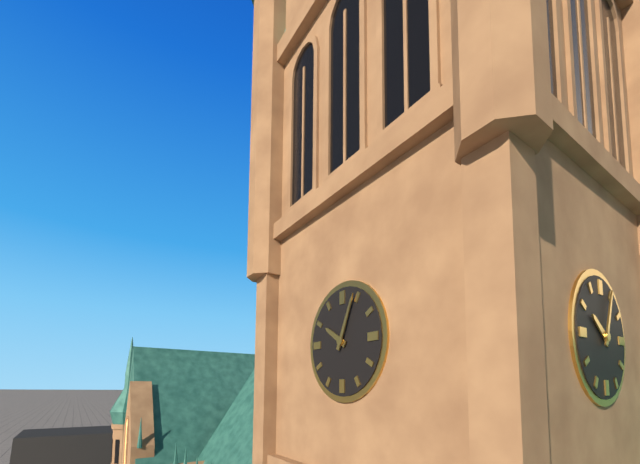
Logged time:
10h04
